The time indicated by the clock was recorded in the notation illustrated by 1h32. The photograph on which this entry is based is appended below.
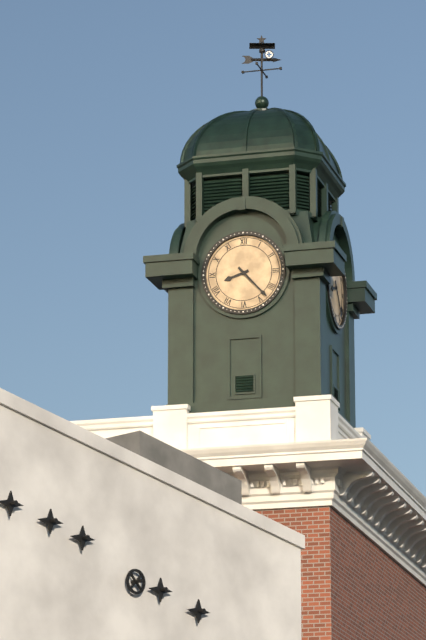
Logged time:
8h23
